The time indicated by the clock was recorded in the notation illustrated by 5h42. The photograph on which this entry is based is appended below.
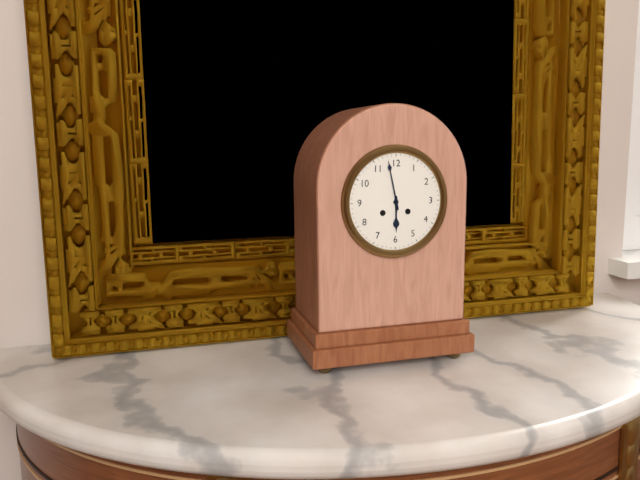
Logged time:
5h58
